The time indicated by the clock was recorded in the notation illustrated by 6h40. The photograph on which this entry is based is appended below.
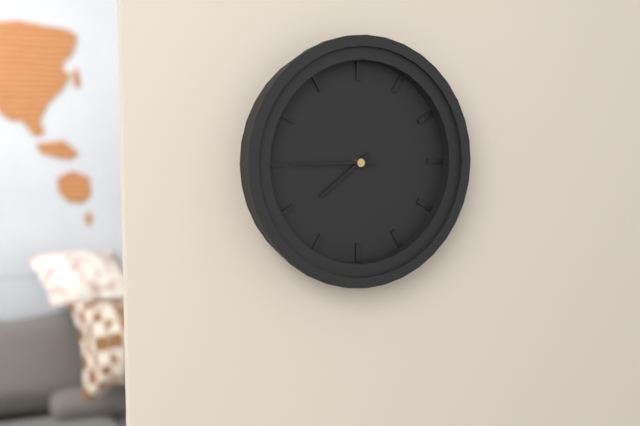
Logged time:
7h45
